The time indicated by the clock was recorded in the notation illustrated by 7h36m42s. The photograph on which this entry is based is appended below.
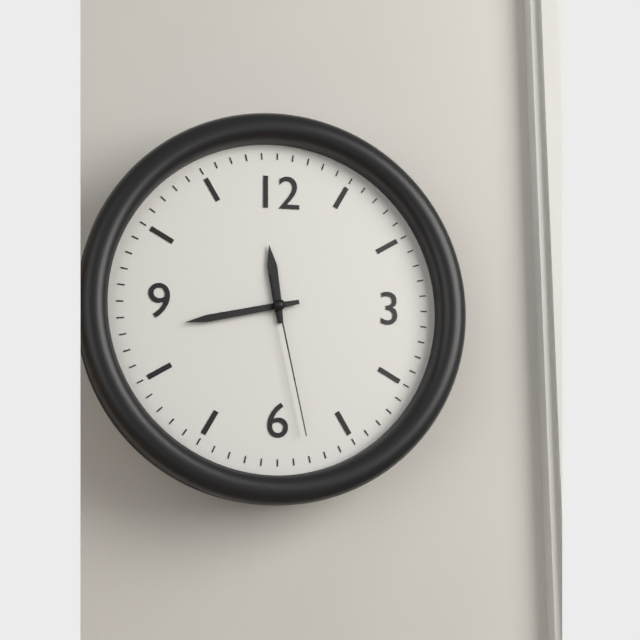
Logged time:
11h43m28s
